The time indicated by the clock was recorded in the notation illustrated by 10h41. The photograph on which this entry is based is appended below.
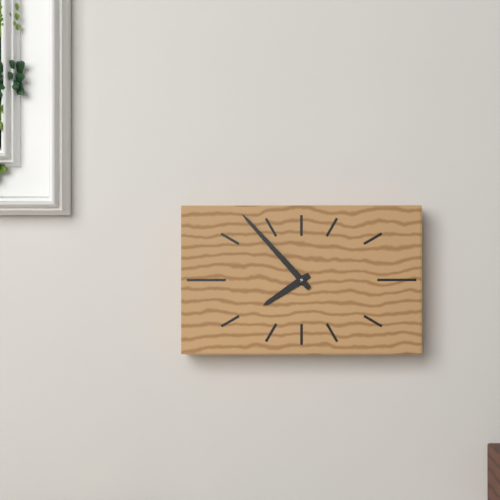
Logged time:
7h53
